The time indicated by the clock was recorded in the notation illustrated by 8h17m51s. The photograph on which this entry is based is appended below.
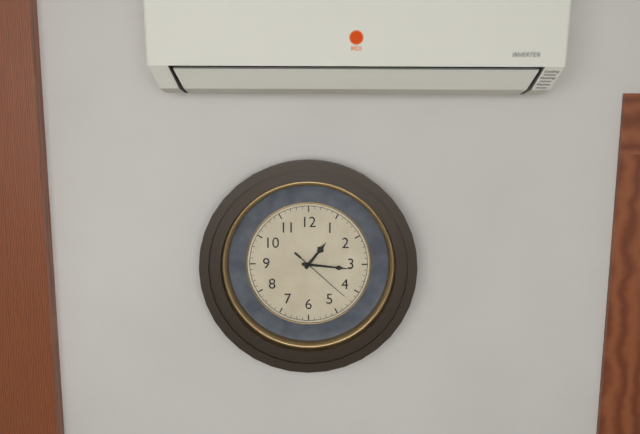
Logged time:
1h16m22s
